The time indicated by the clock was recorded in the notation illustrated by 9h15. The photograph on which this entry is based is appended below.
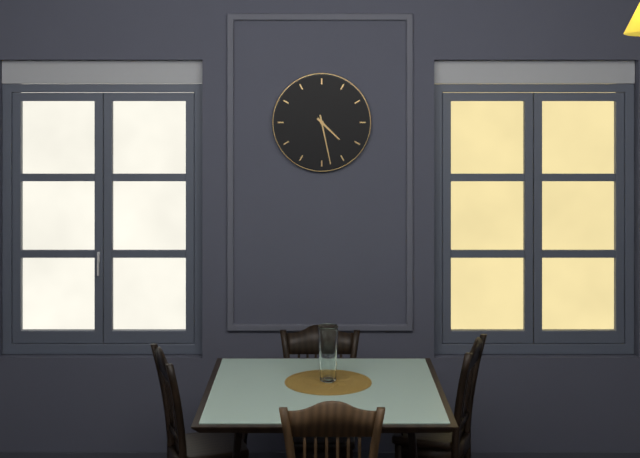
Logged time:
4h28
